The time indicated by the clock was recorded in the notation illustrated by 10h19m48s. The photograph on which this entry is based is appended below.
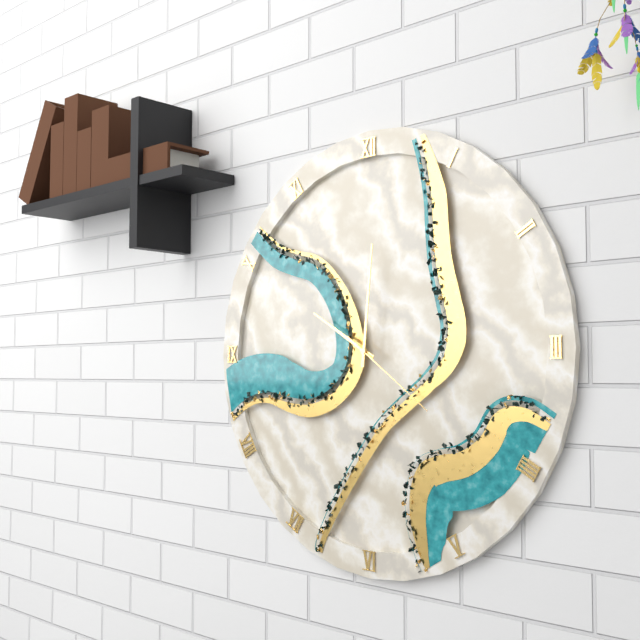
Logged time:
10h01m21s
